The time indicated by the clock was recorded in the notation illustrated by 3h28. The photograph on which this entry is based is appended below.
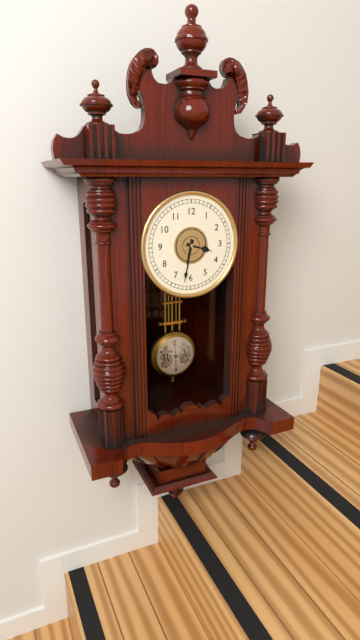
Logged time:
3h32
